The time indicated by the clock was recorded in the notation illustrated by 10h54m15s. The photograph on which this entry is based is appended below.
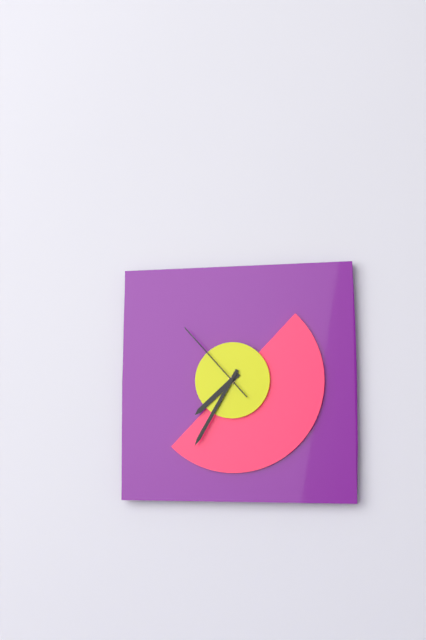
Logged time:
7h35m53s
